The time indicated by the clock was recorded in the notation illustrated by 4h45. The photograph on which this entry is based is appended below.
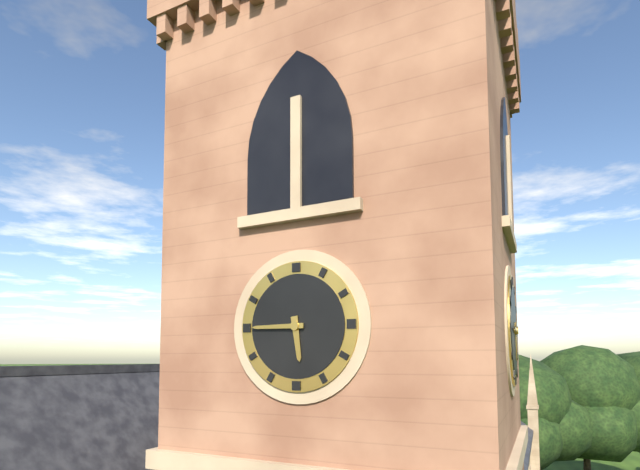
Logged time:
5h45
